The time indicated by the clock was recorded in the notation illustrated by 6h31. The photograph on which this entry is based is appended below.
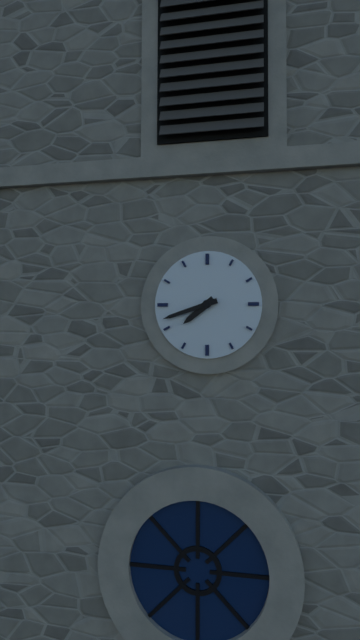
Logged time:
7h42
